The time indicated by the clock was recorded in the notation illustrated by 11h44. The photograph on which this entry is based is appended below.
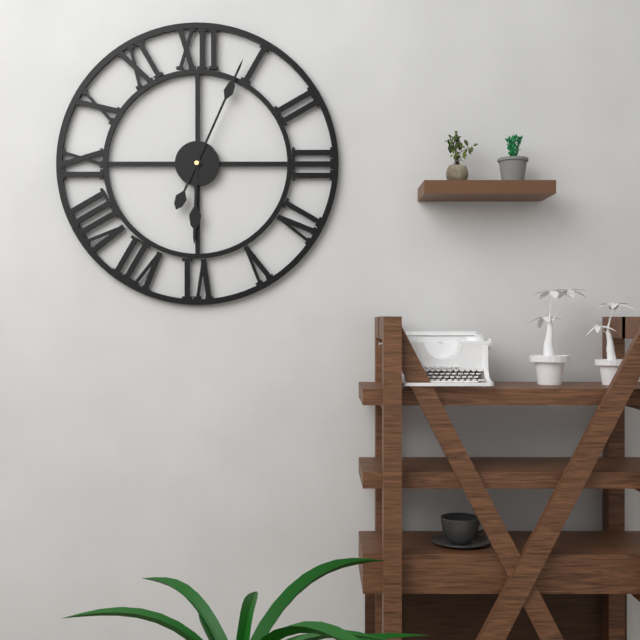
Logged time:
6h04
